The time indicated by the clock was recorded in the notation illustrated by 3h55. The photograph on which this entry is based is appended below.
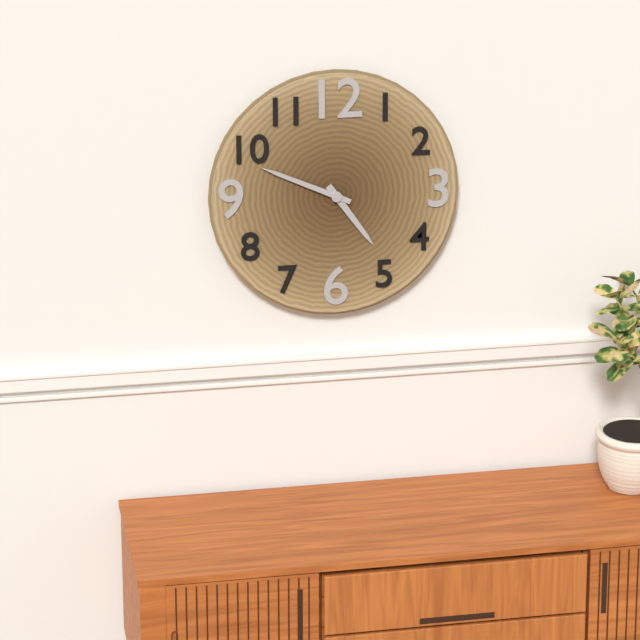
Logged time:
4h49
